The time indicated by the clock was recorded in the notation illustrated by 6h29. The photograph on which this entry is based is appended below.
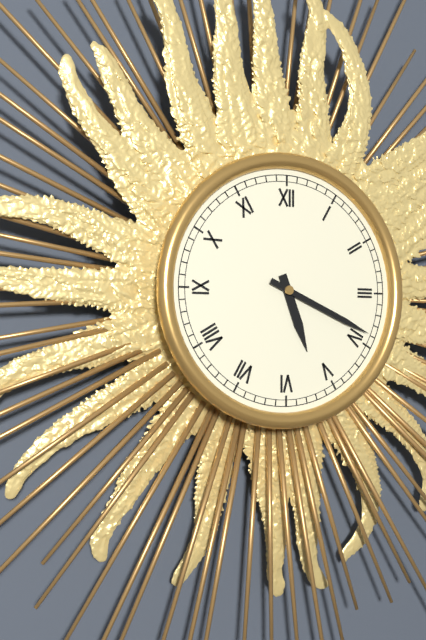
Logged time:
5h19
